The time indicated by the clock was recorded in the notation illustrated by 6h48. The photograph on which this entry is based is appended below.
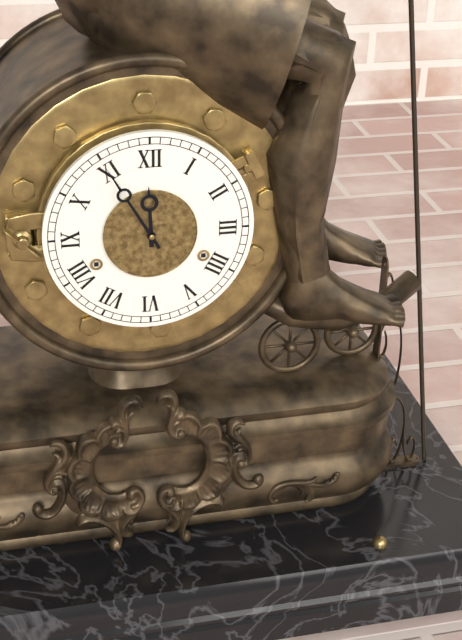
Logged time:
11h55
